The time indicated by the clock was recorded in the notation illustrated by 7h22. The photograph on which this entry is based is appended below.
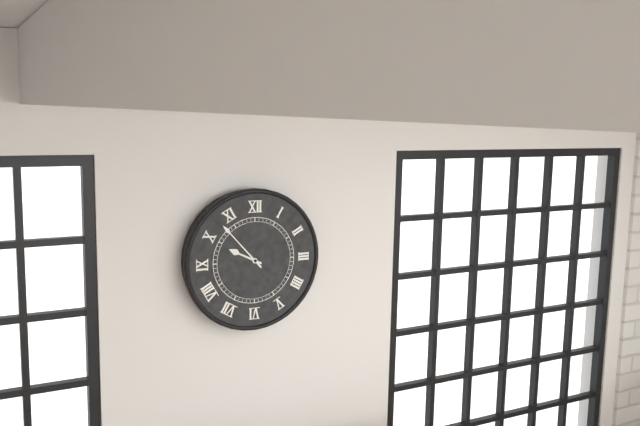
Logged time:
9h53
